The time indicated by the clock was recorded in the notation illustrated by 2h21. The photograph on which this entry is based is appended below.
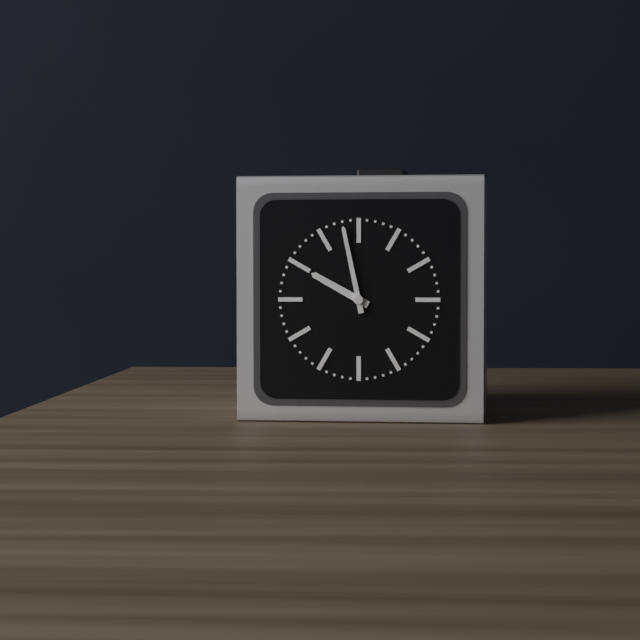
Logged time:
9h58
